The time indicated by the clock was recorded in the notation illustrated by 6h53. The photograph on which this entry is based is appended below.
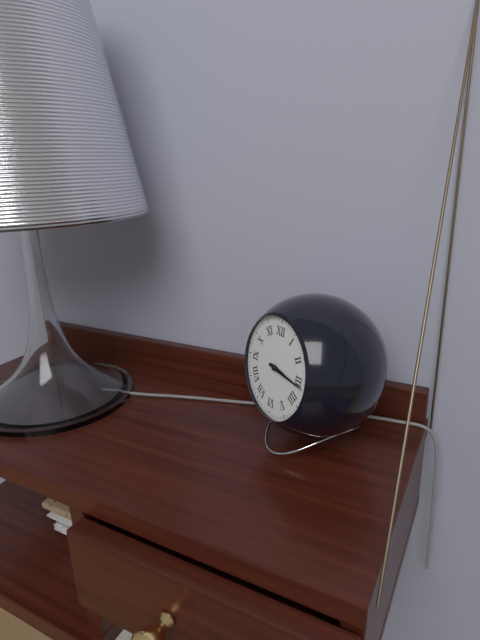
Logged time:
3h16
